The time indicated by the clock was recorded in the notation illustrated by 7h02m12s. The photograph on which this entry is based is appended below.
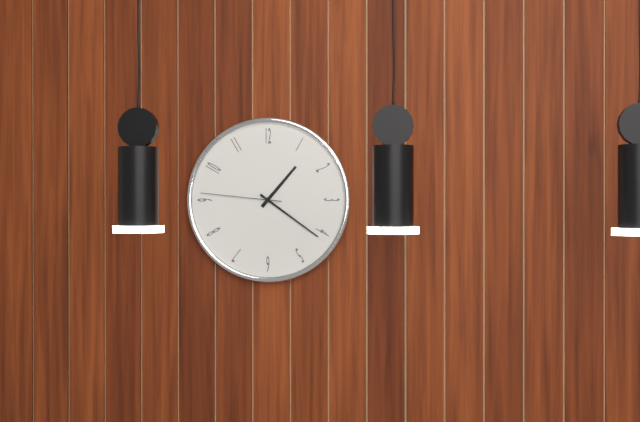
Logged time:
1h21m46s
